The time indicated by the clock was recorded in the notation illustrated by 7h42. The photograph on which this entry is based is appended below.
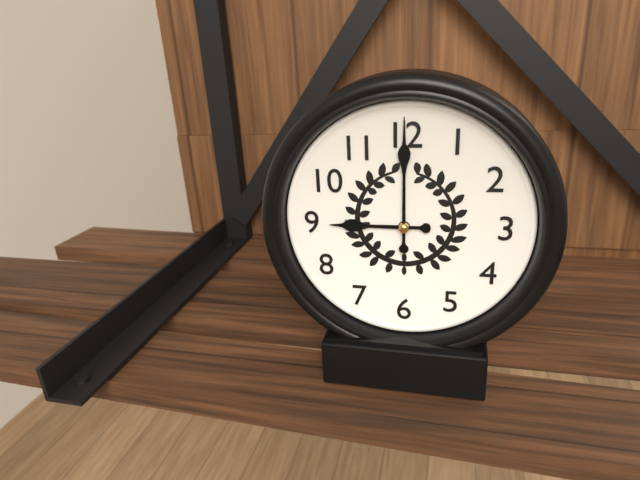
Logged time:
9h00
